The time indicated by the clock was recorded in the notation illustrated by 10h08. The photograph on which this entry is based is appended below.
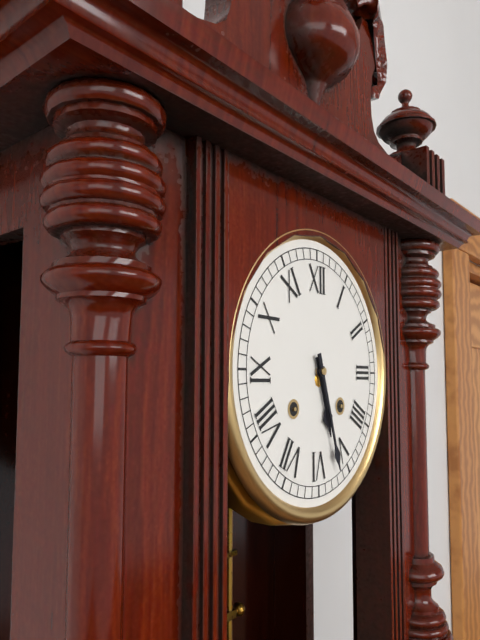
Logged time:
5h27
